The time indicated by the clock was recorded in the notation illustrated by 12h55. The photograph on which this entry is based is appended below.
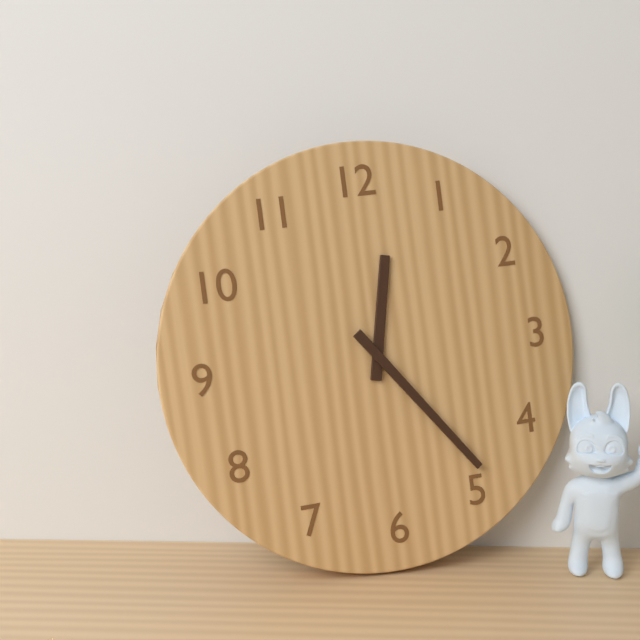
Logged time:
12h24
